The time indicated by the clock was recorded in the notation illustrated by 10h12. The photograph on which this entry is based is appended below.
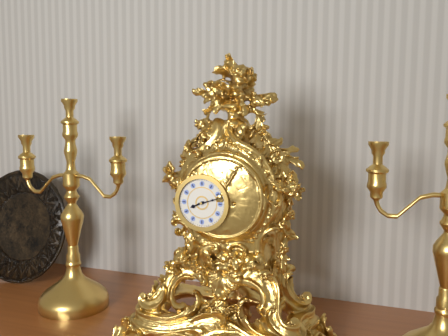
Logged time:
8h12
